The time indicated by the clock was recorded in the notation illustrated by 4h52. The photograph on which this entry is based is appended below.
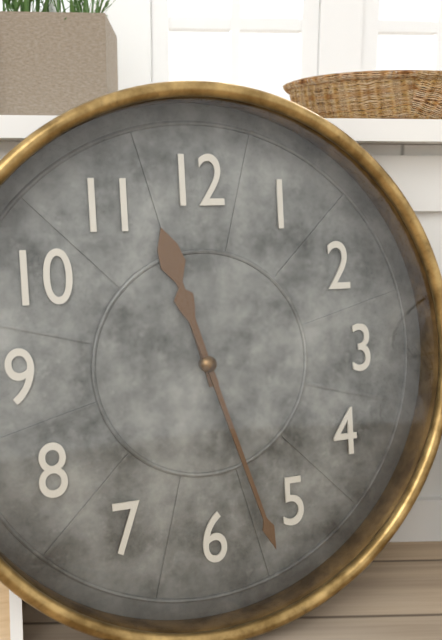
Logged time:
11h27
